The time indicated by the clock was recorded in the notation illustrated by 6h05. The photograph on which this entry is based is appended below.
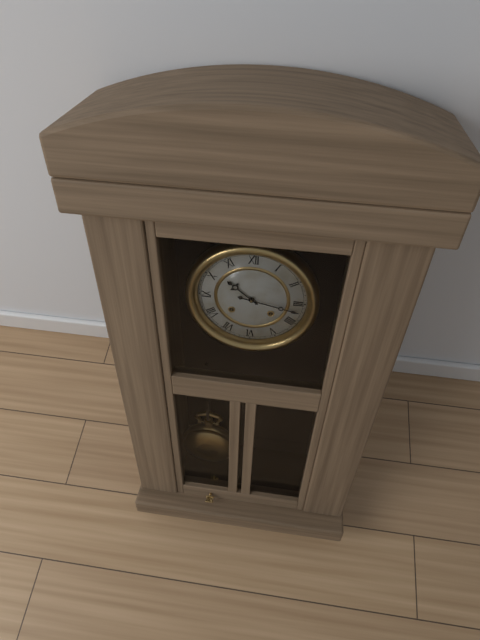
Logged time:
10h17
